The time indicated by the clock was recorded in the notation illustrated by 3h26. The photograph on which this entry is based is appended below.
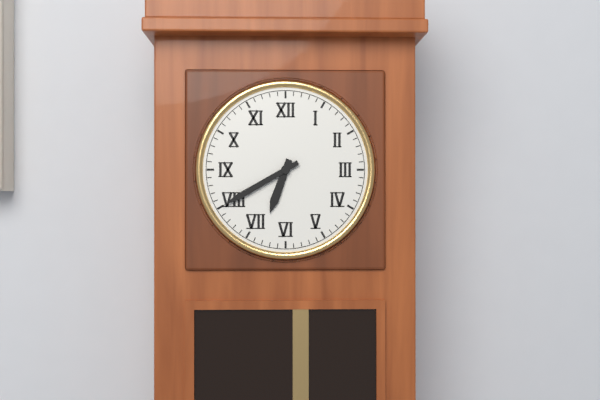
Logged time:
6h40
